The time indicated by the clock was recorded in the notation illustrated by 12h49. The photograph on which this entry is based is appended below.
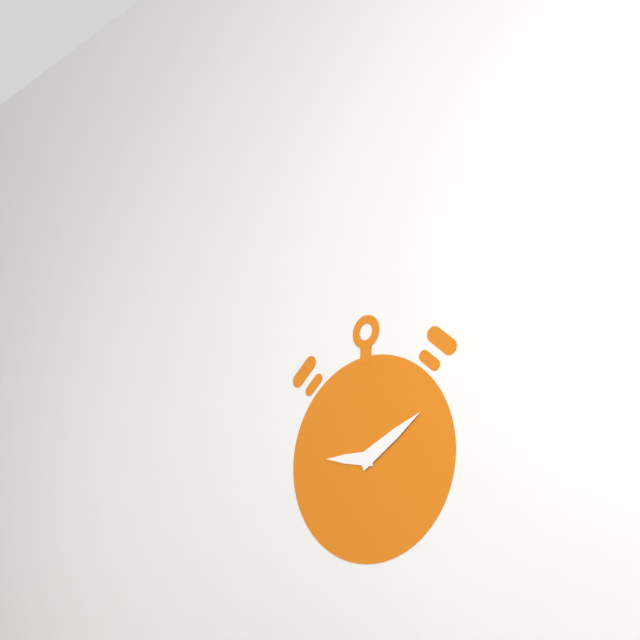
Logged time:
9h10
